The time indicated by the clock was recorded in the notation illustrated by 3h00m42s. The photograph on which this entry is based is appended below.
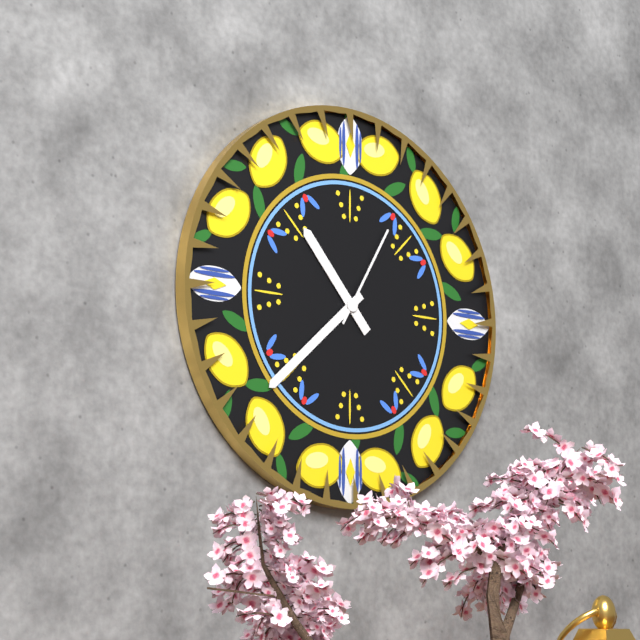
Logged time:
10h38m05s
